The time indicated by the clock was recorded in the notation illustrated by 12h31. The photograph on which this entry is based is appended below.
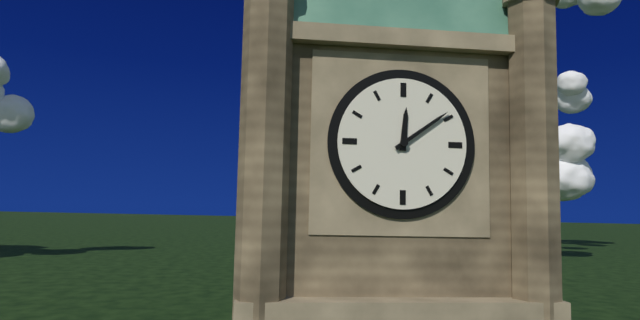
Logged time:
12h09
